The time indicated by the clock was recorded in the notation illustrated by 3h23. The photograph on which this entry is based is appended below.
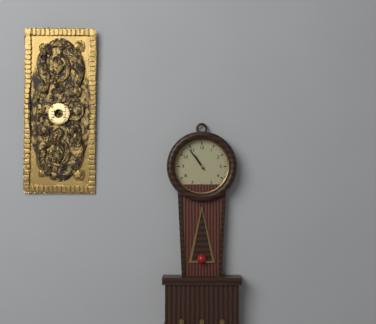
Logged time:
10h54
